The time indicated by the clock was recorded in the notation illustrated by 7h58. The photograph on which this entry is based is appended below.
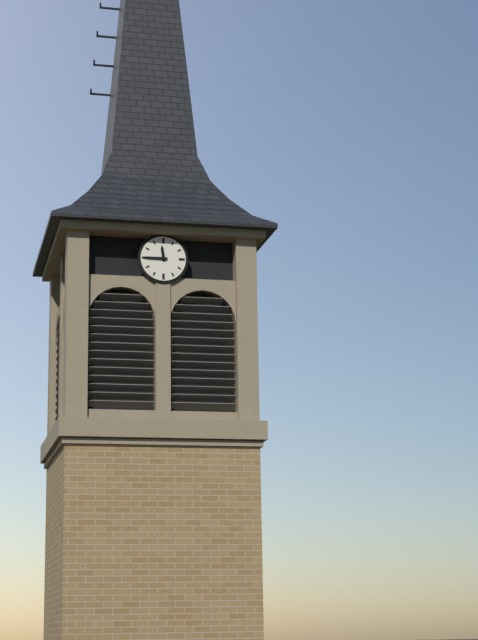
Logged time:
11h45
